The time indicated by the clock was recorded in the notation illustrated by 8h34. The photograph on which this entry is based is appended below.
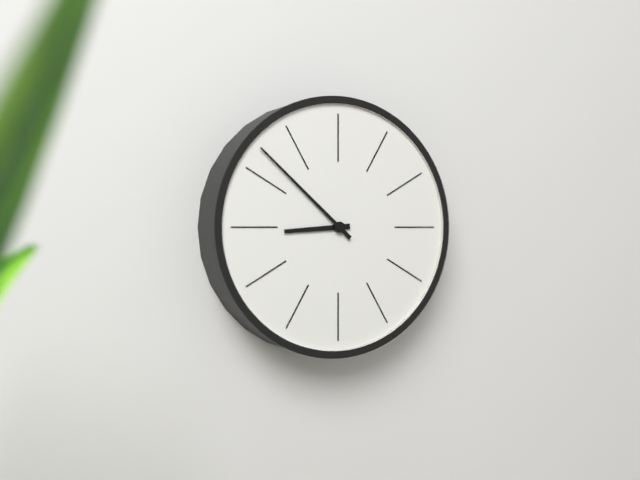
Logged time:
8h52
